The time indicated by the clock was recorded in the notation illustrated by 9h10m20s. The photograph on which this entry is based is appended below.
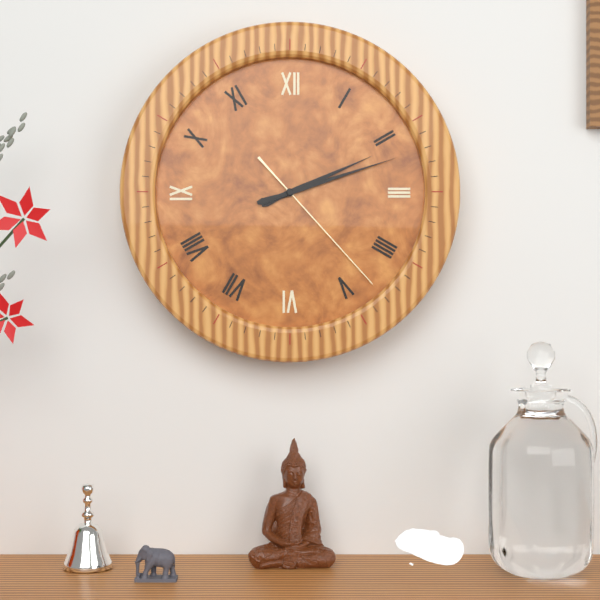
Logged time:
2h12m23s
